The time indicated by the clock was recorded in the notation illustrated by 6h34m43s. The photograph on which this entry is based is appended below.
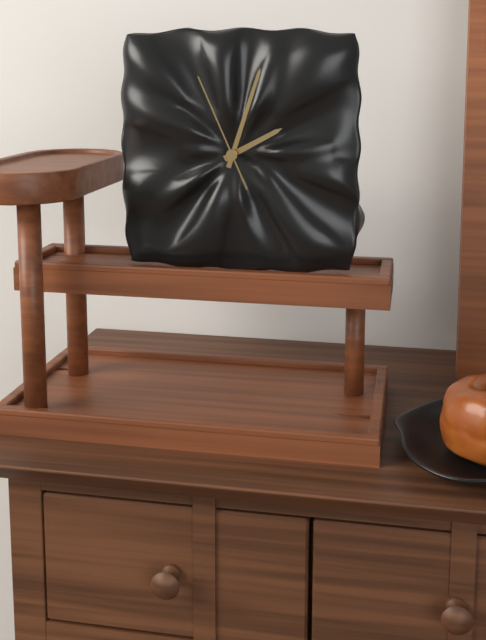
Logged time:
2h03m56s
